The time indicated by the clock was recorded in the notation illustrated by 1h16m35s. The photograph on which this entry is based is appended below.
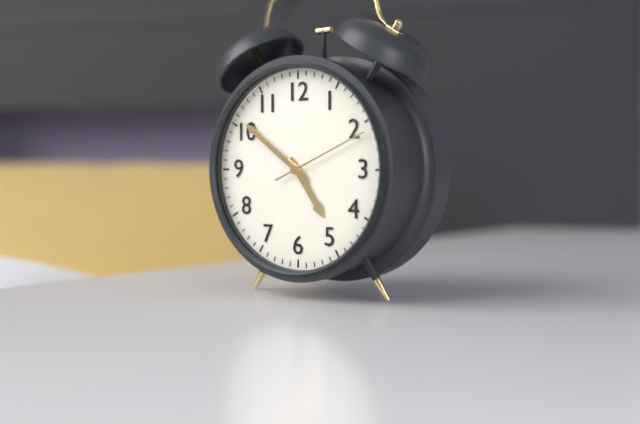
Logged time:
4h51m11s
